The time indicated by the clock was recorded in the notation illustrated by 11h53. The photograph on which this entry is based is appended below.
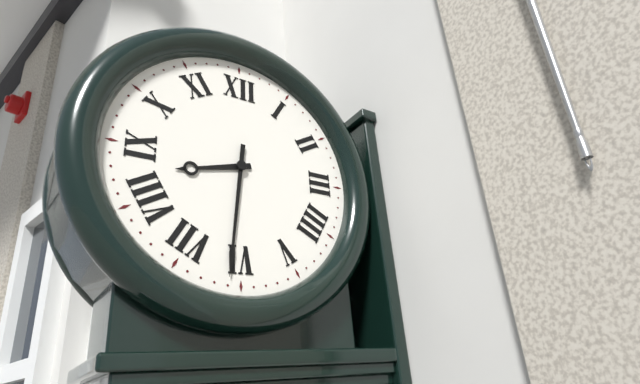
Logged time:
8h31
